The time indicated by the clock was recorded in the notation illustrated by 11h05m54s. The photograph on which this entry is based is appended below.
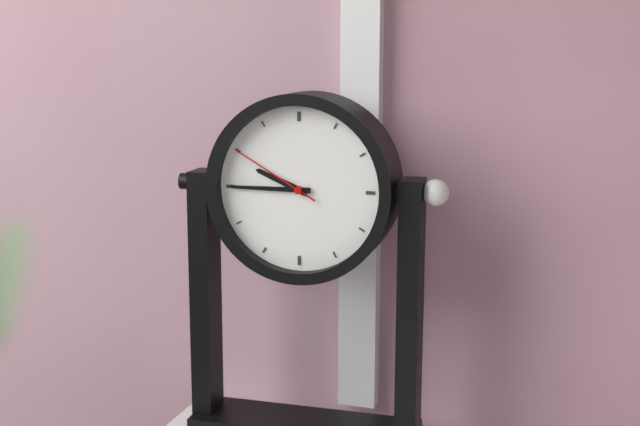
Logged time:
9h45m50s
